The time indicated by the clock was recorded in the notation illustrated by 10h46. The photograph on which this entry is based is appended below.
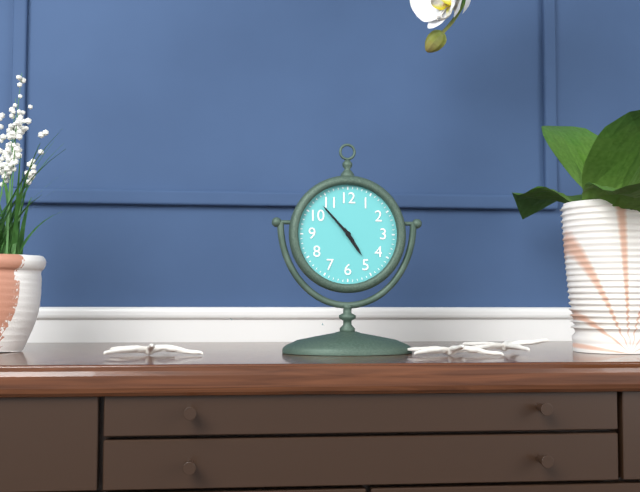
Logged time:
4h53
